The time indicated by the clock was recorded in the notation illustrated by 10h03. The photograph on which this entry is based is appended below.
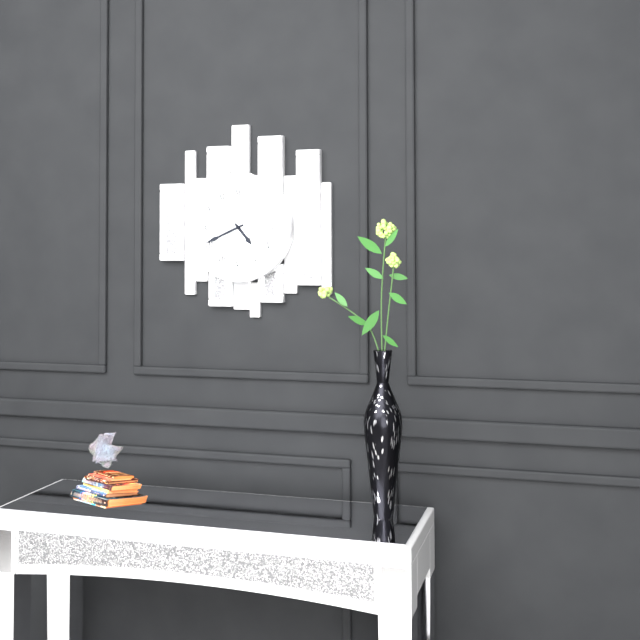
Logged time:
4h41
